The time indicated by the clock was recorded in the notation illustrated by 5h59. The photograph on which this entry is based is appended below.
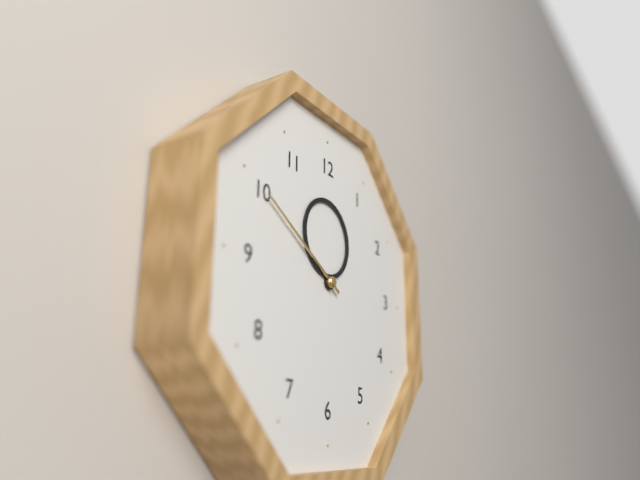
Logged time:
11h50
